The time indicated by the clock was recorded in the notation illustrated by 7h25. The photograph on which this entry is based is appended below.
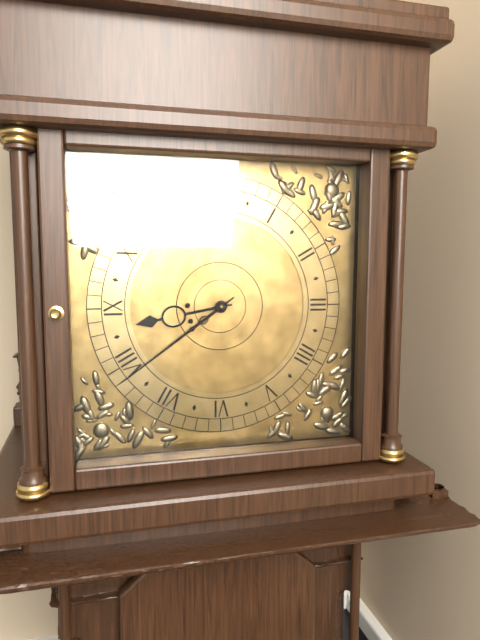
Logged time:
8h39
